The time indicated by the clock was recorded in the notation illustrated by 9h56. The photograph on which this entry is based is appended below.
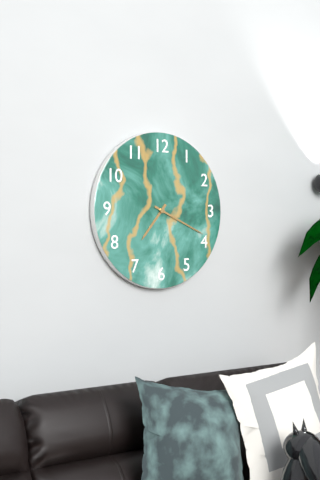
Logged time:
7h19
